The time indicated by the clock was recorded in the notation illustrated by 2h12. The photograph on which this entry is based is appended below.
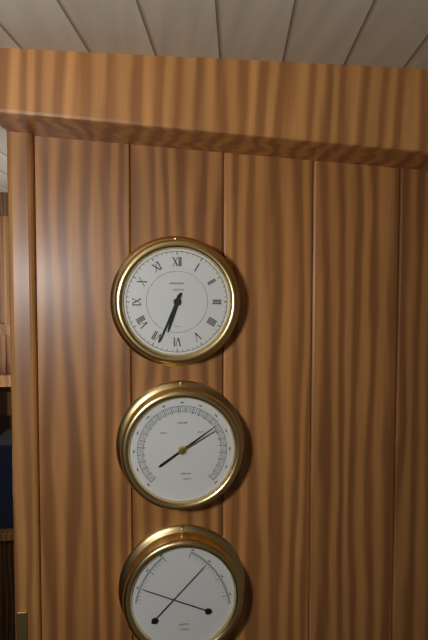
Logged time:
6h34
